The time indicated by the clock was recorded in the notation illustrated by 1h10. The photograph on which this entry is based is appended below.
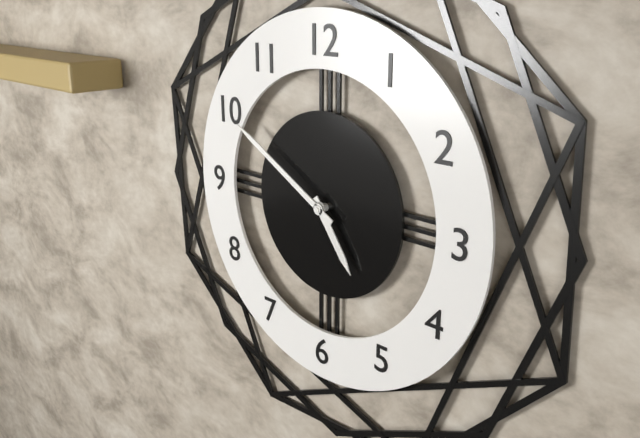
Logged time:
4h50
